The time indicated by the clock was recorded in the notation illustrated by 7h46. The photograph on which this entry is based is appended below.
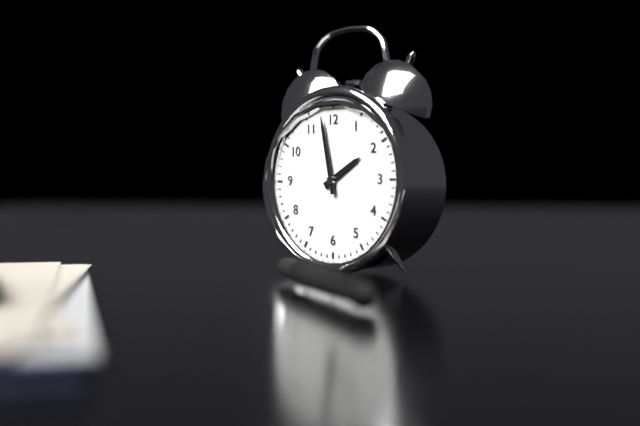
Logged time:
1h58
